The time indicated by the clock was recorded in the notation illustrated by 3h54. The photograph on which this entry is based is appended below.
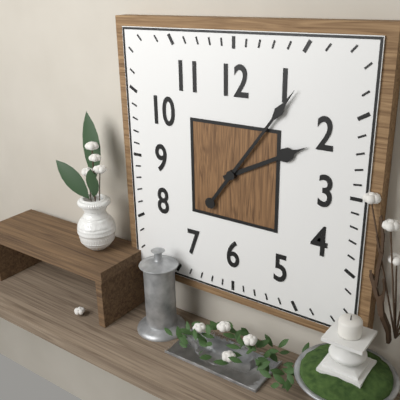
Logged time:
2h06
